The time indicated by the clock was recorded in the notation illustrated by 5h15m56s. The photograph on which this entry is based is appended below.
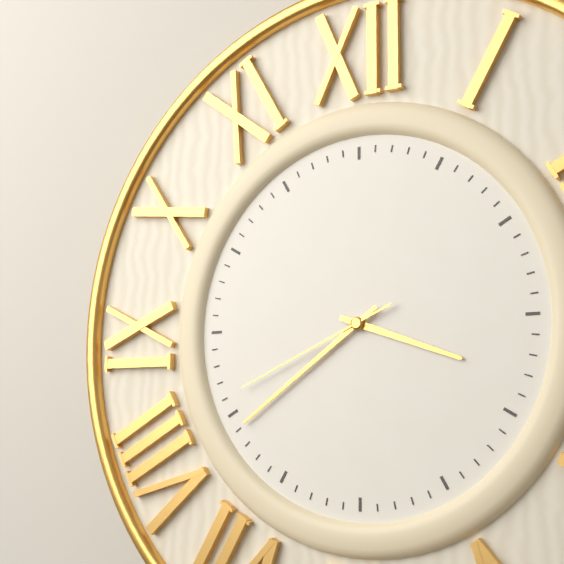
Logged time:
3h39m41s
